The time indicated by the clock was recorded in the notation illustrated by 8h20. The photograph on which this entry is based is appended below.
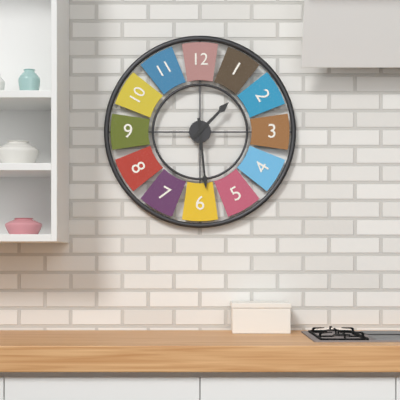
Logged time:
1h29
